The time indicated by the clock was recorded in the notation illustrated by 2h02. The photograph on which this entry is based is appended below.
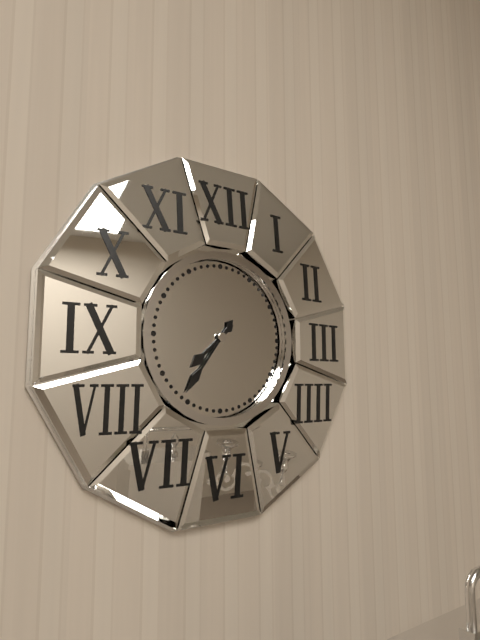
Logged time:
7h36
